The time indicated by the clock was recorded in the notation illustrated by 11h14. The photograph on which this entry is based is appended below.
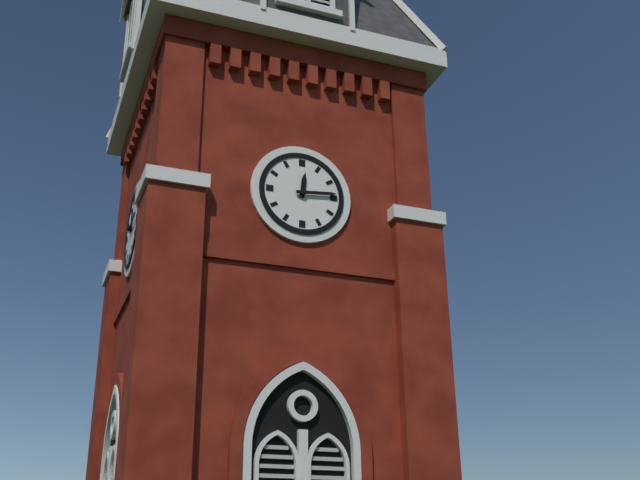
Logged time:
12h14
